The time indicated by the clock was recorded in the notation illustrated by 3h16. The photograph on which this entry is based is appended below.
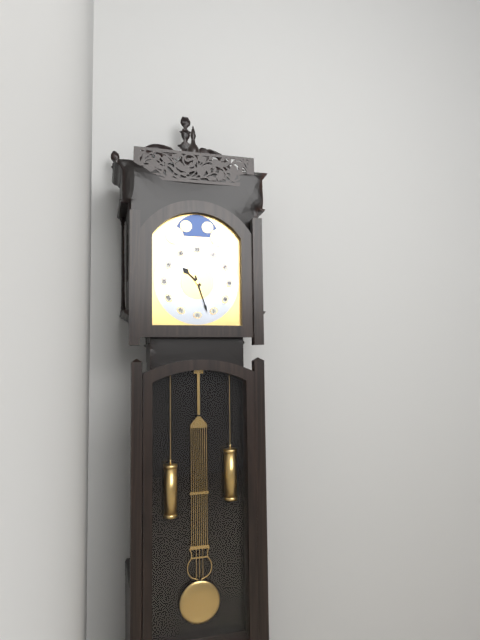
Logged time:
10h27
